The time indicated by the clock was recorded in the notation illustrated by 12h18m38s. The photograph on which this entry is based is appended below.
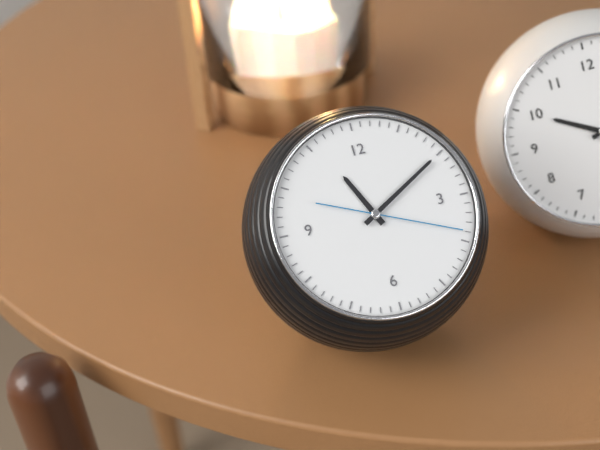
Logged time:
11h10m19s
